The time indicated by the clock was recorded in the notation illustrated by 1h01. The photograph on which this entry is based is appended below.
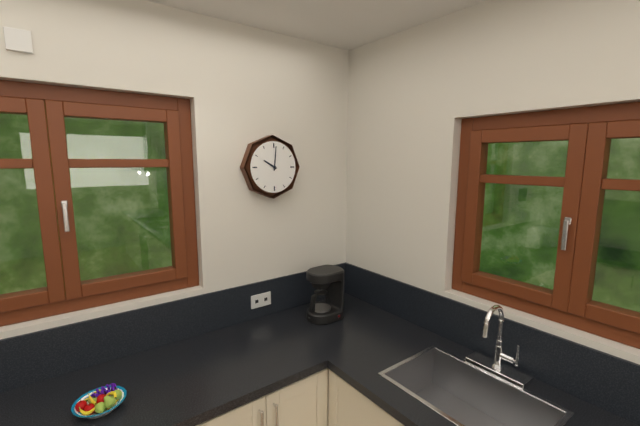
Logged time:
10h01
